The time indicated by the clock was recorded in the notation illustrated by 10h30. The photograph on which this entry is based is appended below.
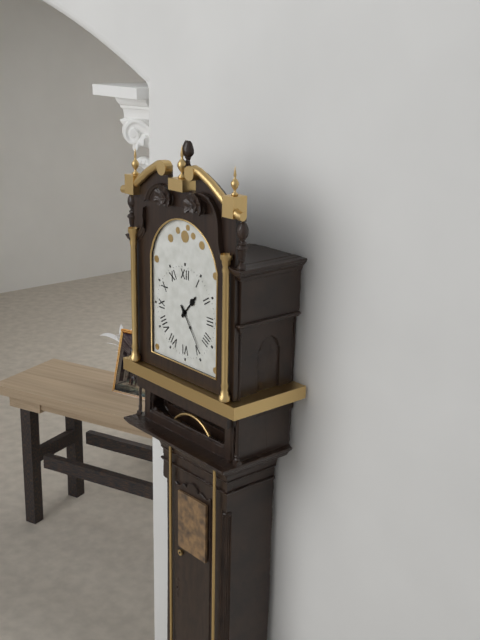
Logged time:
1h24
